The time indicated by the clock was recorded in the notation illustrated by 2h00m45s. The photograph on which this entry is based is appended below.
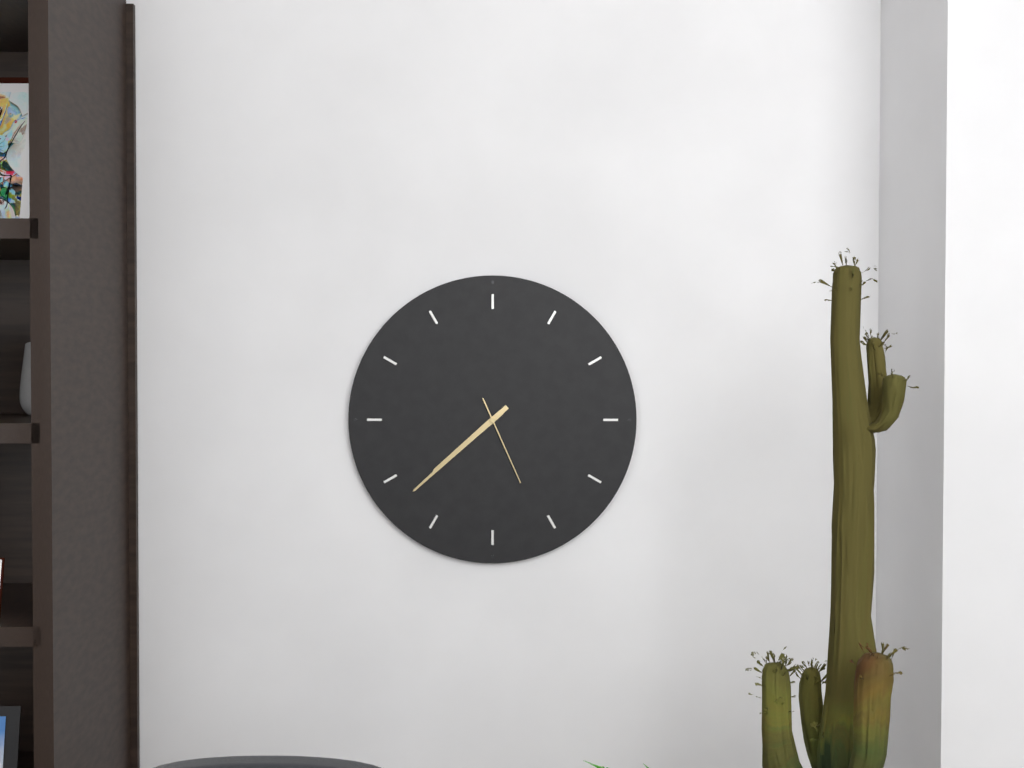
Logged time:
7h38m26s
